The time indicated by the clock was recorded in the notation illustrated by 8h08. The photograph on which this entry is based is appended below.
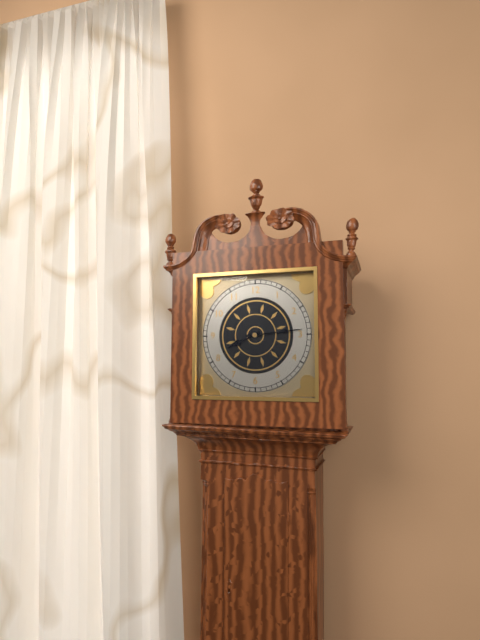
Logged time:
8h14
